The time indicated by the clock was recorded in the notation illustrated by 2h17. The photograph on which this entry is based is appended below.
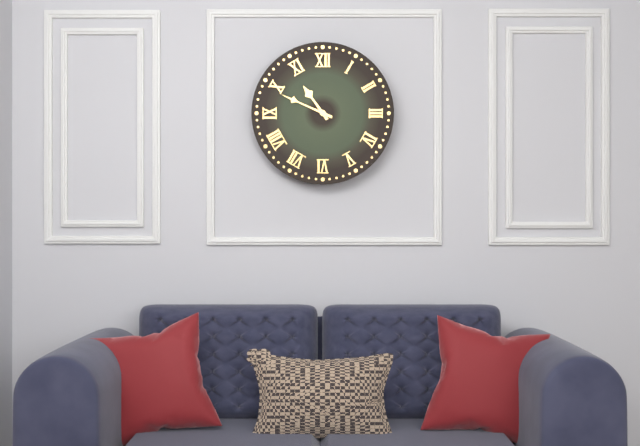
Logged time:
10h49
